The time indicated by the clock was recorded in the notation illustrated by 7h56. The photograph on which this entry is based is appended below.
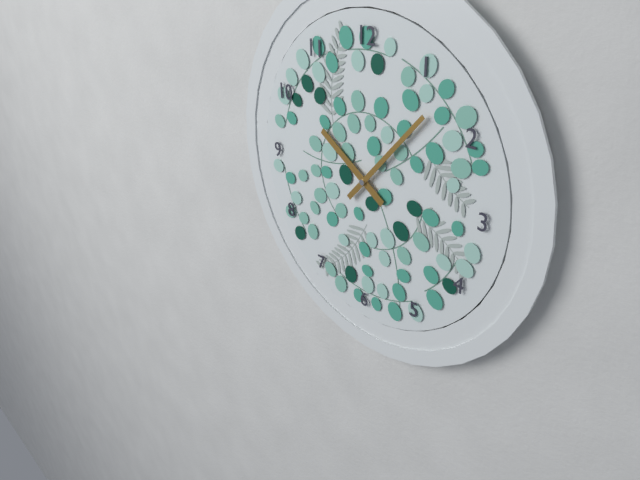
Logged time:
10h07
